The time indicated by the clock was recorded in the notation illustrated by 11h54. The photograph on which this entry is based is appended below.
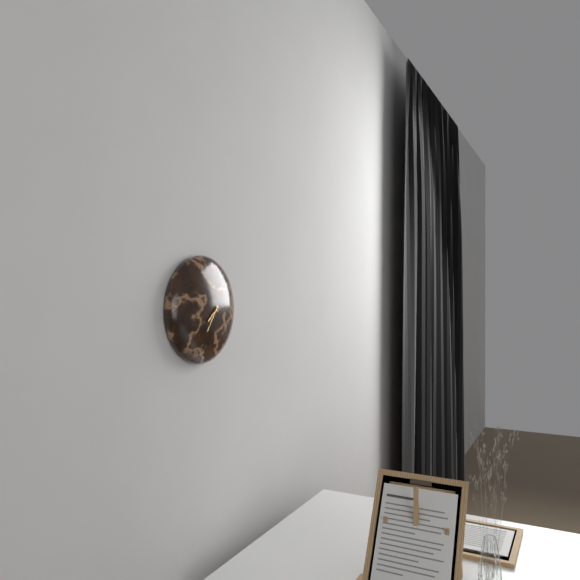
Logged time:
7h36
